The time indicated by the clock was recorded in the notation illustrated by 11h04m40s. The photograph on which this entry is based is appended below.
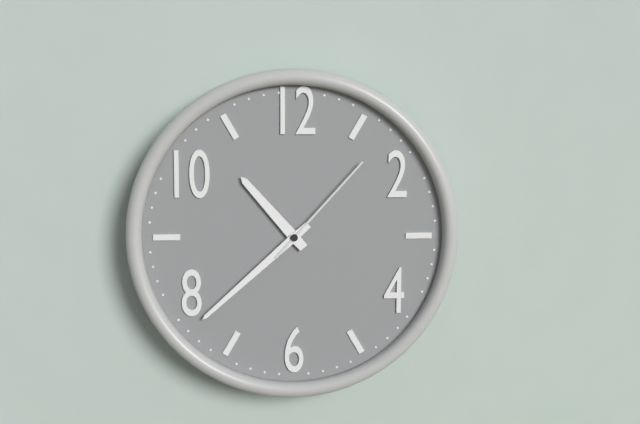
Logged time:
10h38m07s
